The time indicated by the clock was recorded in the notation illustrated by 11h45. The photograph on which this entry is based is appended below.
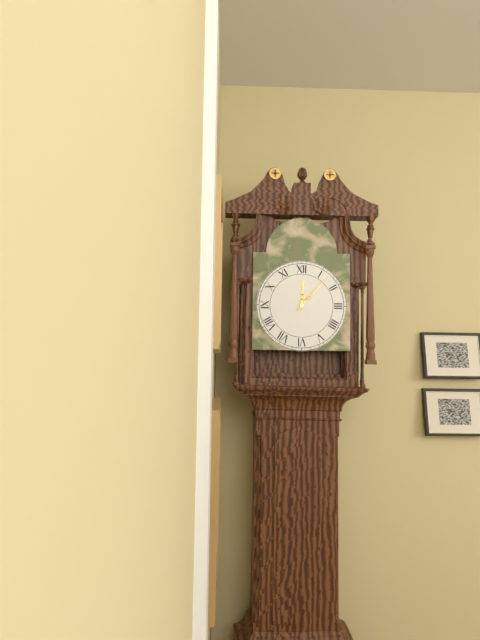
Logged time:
12h07
